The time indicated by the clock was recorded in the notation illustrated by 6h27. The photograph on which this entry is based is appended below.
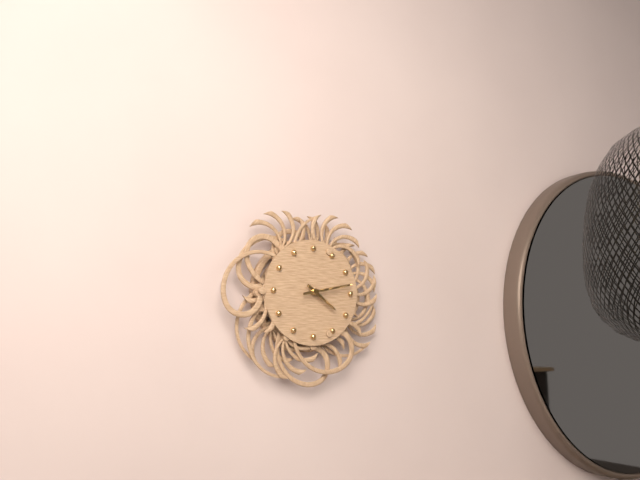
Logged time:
4h13
